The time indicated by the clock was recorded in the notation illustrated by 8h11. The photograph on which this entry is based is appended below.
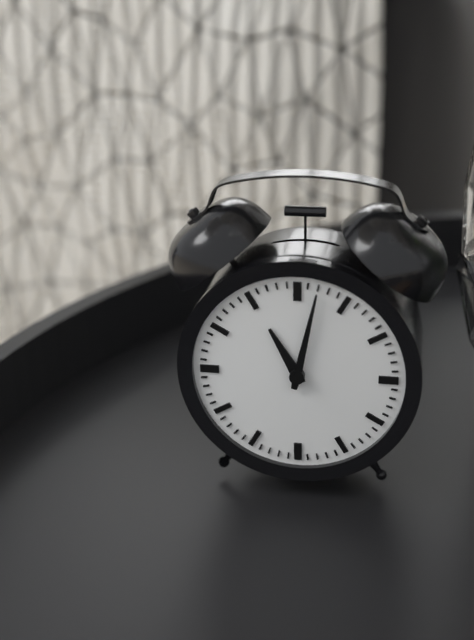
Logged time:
11h02
